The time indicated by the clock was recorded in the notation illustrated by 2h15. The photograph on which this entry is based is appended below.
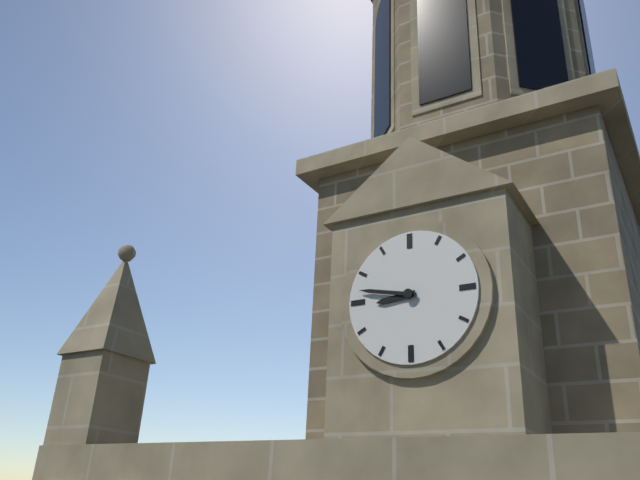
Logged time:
8h47
